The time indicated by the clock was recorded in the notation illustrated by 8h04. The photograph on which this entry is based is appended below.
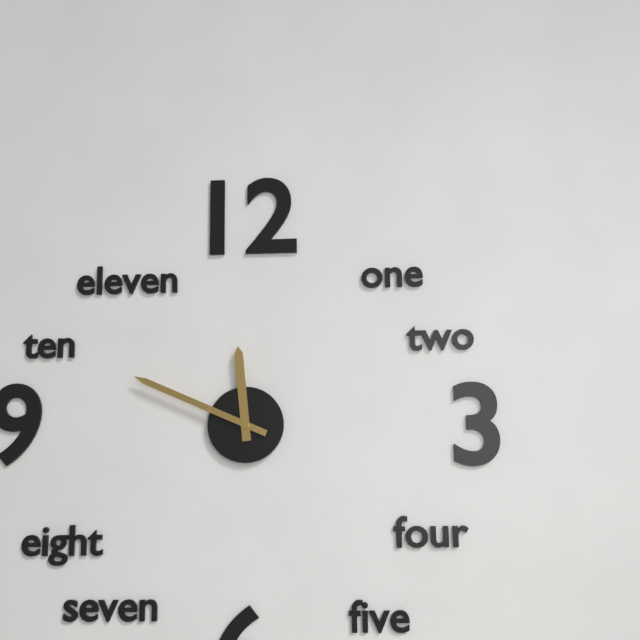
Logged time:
11h49
